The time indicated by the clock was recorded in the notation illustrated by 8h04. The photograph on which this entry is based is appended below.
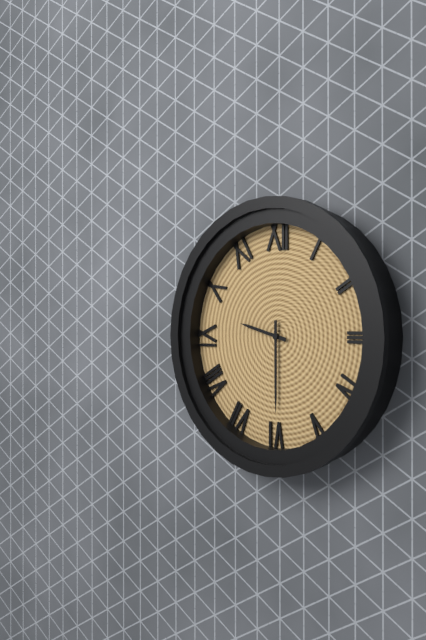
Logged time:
9h30
